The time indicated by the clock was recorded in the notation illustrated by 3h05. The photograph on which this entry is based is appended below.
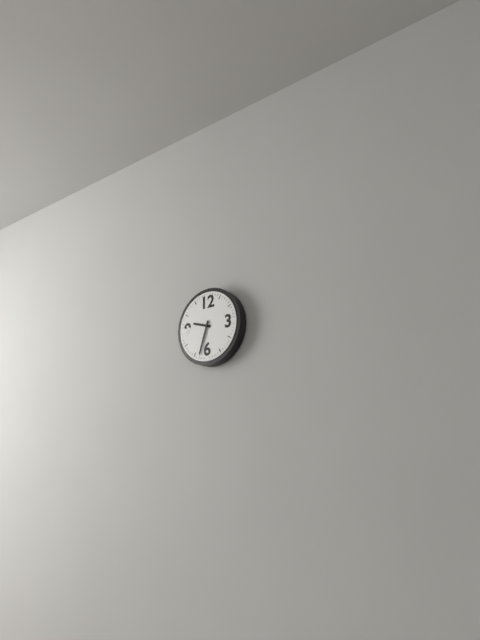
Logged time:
9h33
